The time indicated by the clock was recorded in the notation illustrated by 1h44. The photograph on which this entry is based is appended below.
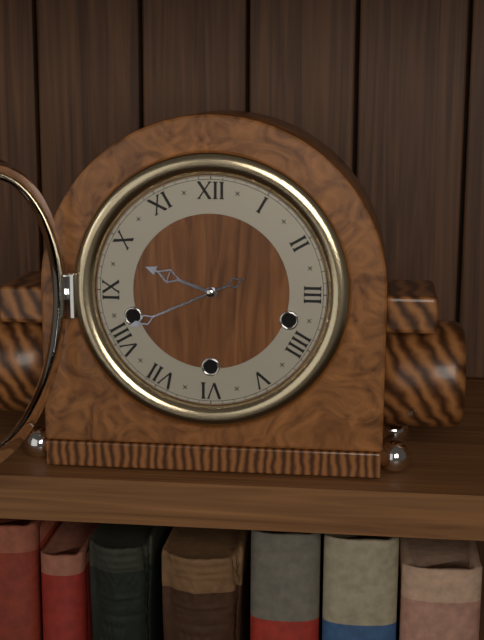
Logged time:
9h41
